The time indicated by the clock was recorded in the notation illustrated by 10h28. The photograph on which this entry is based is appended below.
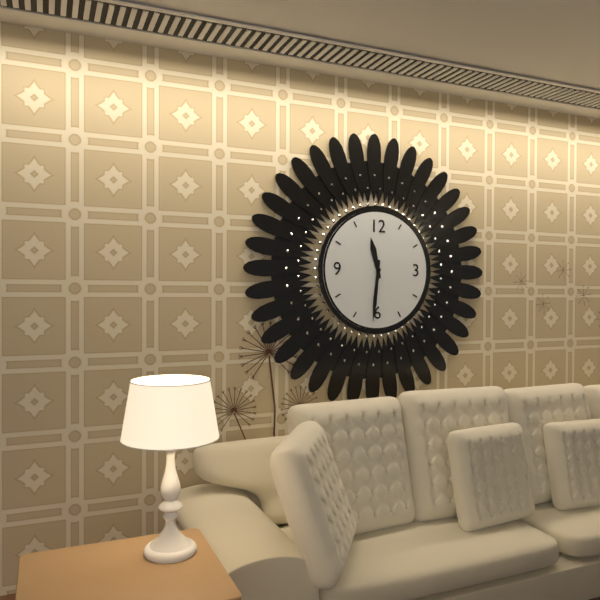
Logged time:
11h31
